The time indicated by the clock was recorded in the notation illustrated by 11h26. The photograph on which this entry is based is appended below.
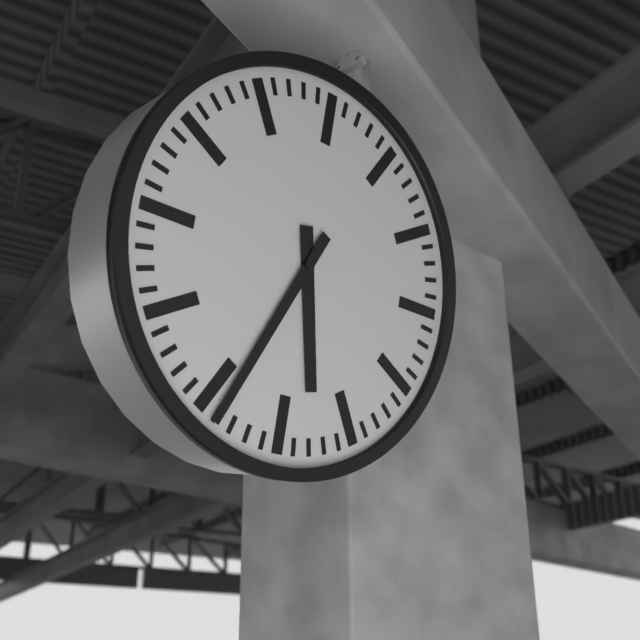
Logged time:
5h34
